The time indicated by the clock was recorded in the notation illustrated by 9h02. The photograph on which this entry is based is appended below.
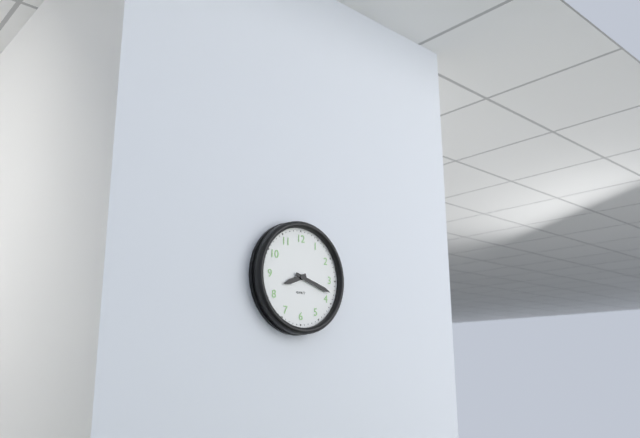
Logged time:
8h18
